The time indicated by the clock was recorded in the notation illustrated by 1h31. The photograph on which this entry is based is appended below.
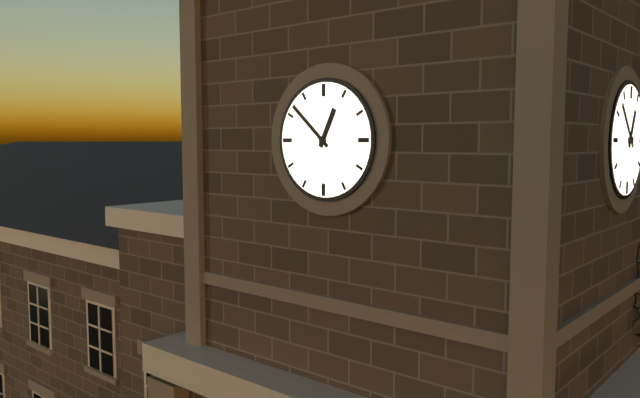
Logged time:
12h52
